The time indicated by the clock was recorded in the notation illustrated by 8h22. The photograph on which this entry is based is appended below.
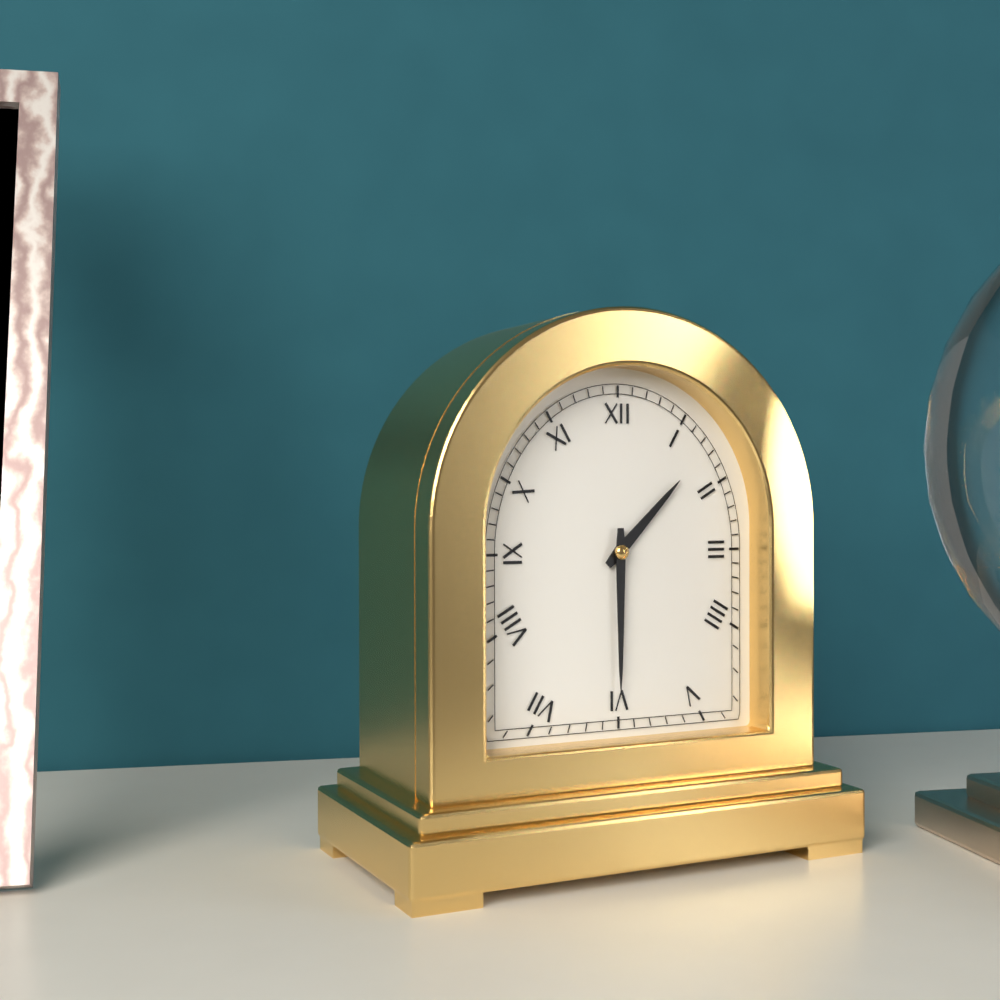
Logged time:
1h30
